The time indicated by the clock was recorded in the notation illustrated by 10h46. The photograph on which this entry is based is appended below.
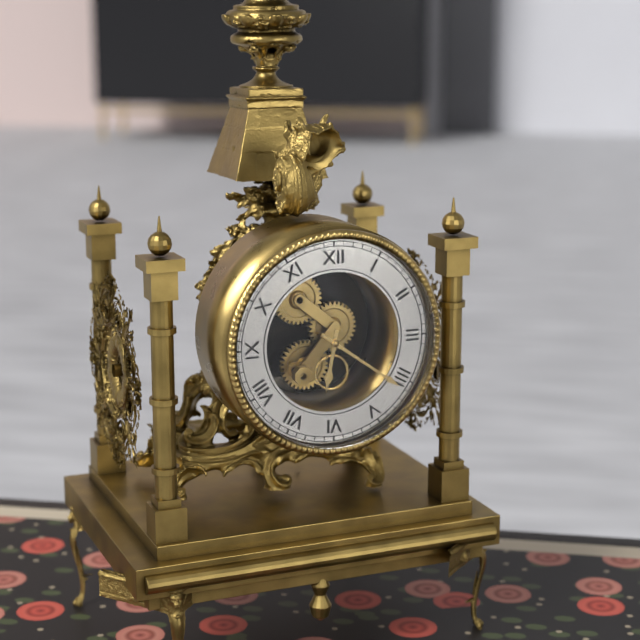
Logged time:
6h21
